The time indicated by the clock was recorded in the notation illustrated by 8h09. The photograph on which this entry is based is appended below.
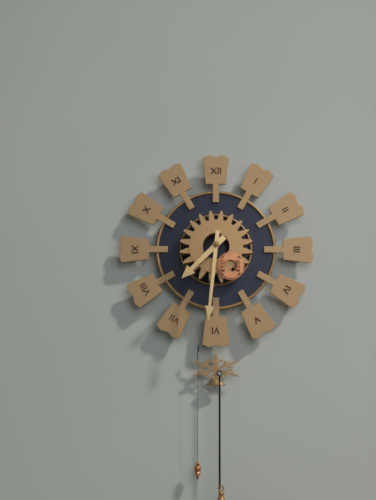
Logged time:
7h31
